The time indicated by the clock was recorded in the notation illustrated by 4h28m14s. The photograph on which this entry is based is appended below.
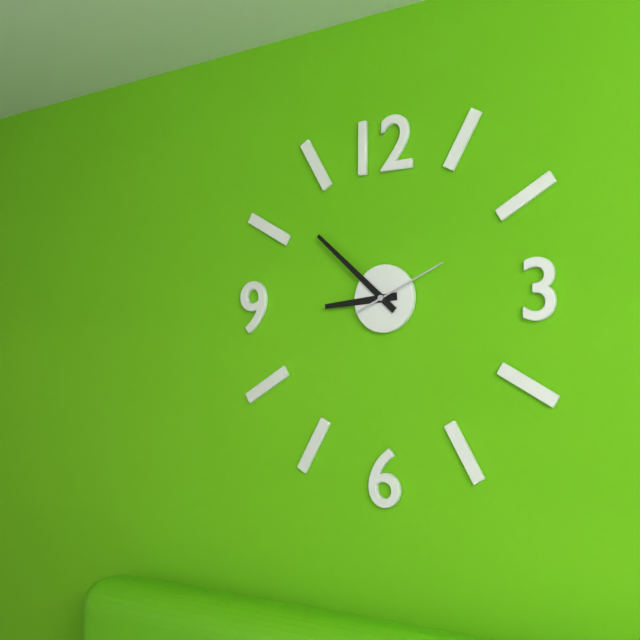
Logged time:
8h52m11s
